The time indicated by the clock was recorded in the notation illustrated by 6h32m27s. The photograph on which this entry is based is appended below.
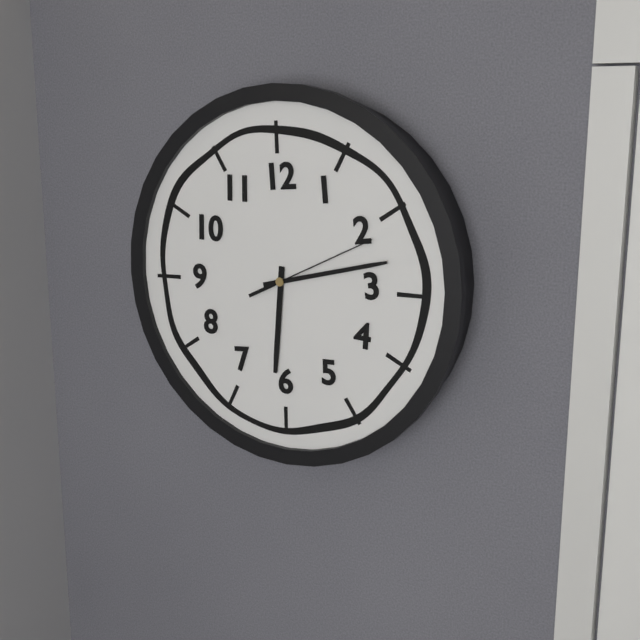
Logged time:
6h13m11s
